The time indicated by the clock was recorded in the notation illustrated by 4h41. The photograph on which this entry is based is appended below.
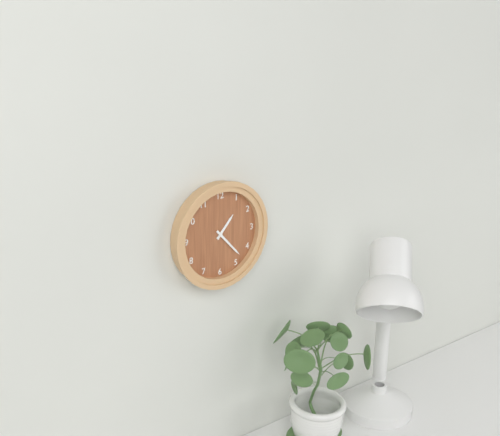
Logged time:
1h23
